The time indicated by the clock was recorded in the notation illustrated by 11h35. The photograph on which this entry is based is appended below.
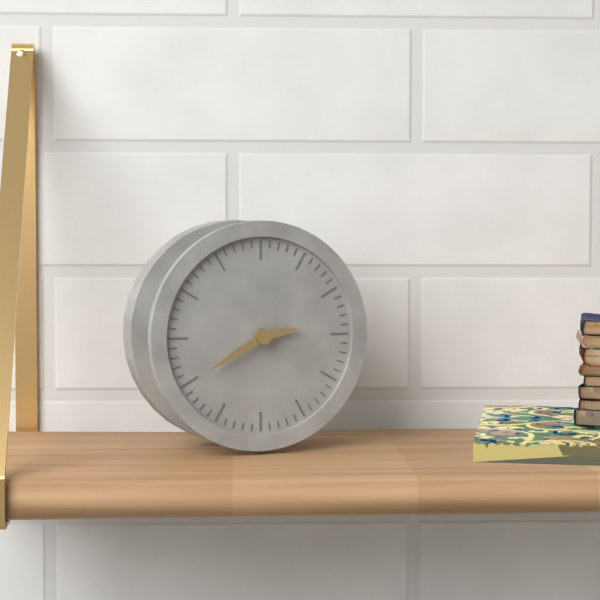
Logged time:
2h40
